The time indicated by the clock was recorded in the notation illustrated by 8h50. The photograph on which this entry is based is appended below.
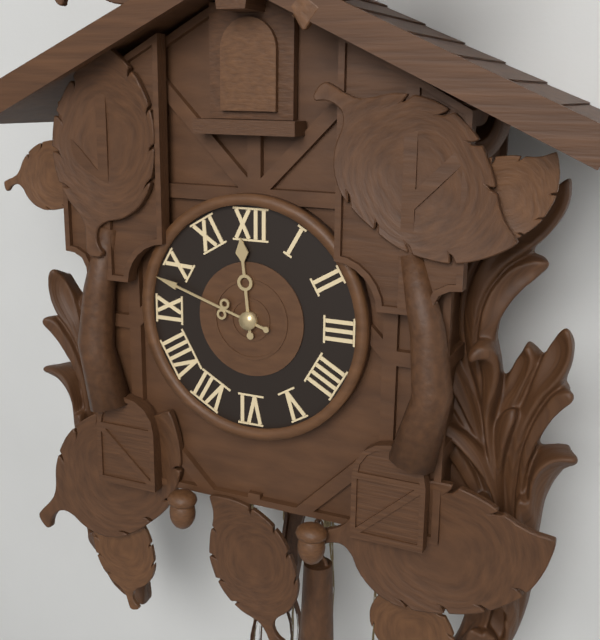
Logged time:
11h48
